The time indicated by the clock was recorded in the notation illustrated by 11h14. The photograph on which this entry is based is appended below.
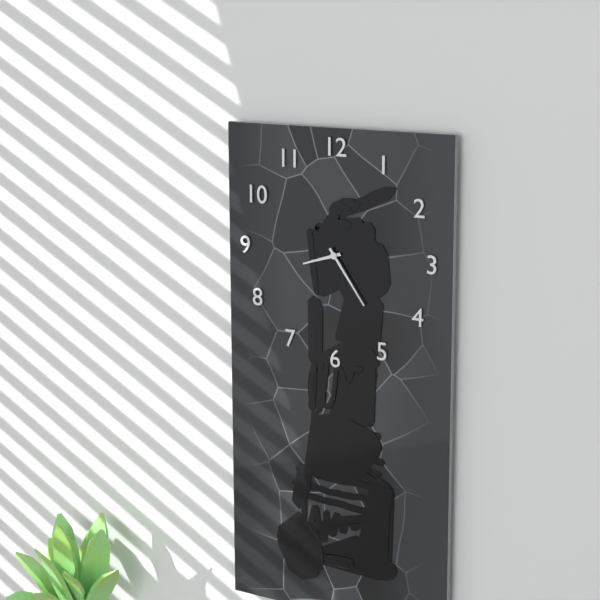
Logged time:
8h24
